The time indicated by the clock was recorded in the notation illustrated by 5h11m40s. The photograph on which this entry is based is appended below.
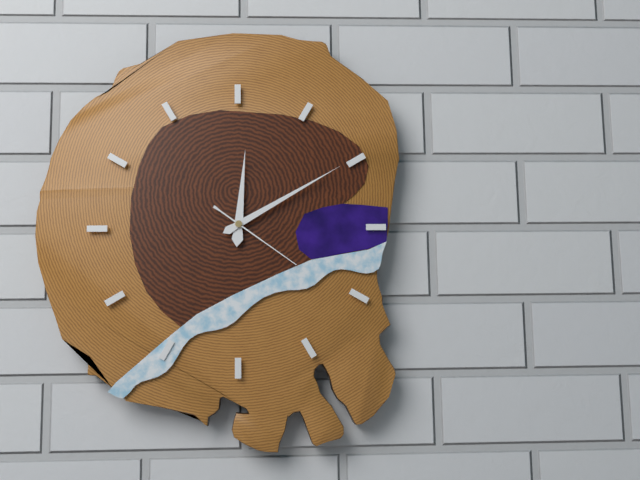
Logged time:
12h10m21s
